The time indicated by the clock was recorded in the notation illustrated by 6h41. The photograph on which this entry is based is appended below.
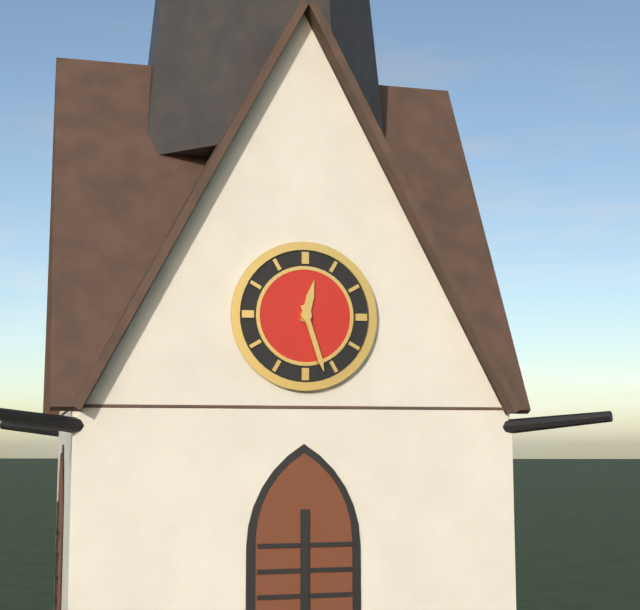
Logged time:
12h27
